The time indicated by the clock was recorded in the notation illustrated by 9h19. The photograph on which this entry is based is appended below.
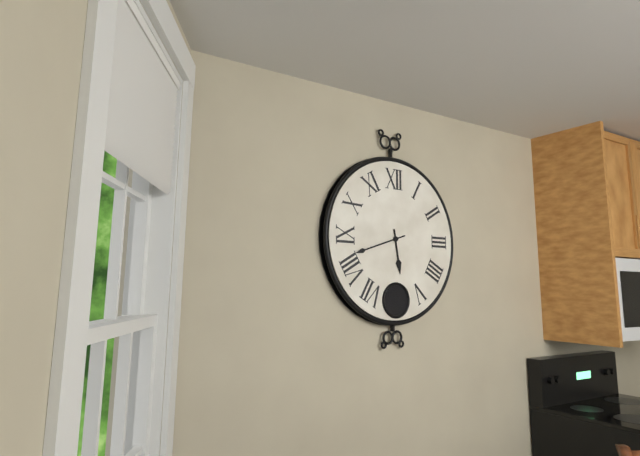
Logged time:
5h42
